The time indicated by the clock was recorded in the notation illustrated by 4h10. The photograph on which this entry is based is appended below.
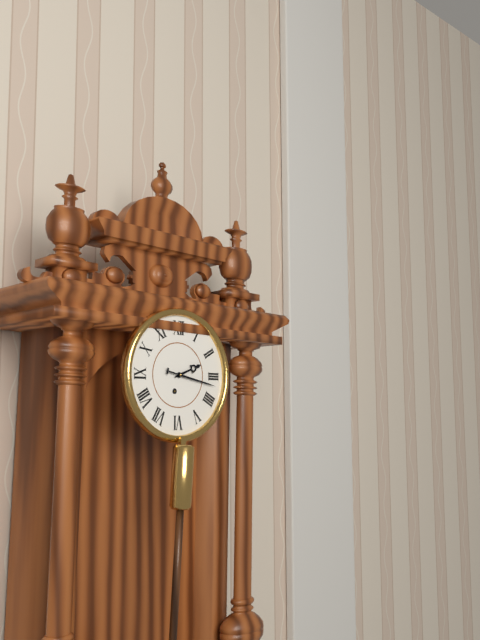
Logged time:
2h17
